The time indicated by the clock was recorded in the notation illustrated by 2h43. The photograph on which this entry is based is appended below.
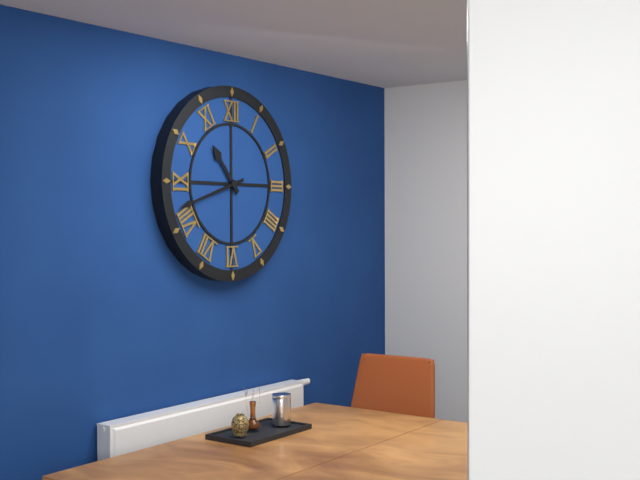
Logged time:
10h42
